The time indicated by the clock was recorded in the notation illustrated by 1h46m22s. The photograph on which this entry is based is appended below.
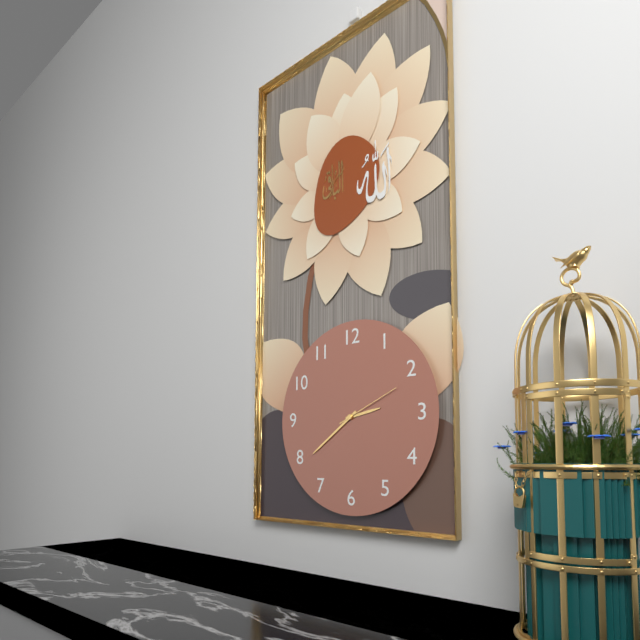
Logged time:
2h39m11s
